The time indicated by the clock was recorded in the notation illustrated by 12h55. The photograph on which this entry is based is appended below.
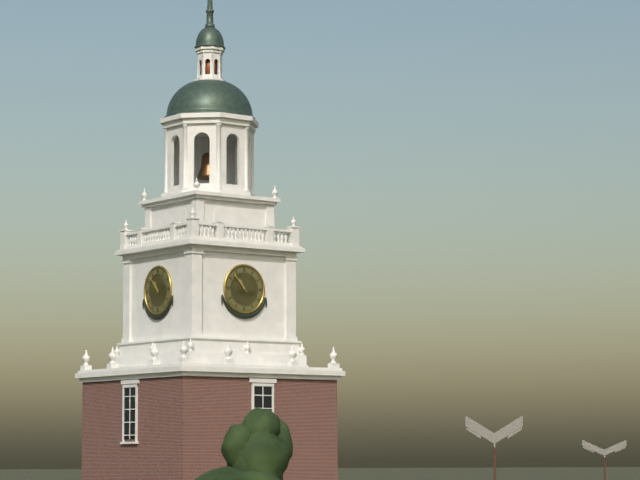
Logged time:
10h53
